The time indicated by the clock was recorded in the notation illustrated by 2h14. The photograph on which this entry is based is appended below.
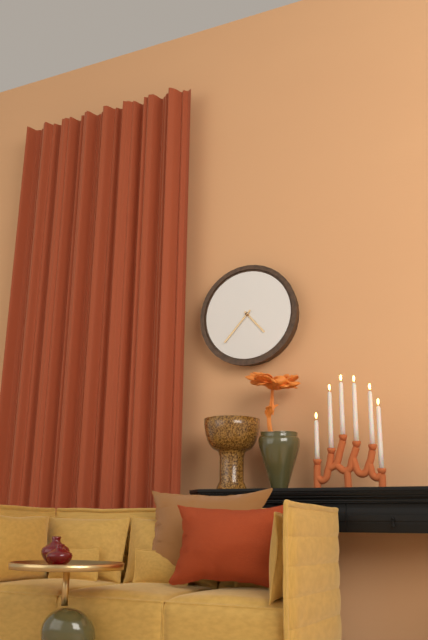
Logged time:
4h37
